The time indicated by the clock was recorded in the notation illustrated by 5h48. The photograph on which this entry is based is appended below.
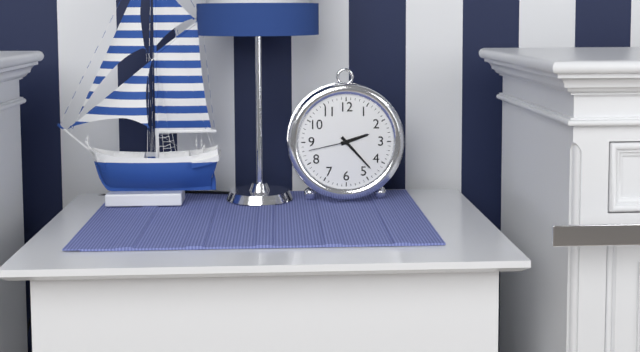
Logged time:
2h23
